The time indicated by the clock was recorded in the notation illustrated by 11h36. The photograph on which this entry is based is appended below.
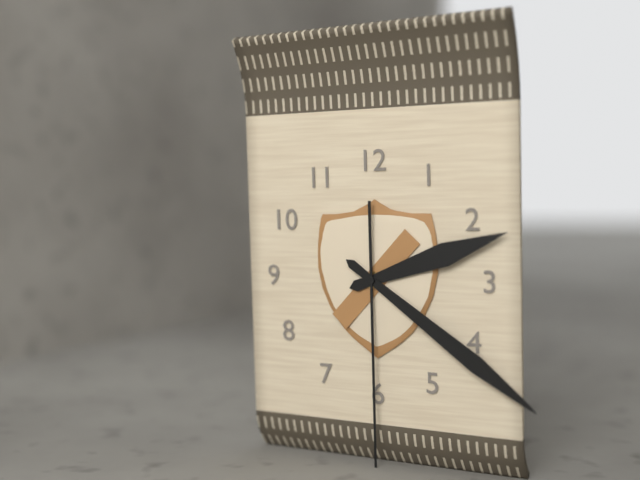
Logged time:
2h21
